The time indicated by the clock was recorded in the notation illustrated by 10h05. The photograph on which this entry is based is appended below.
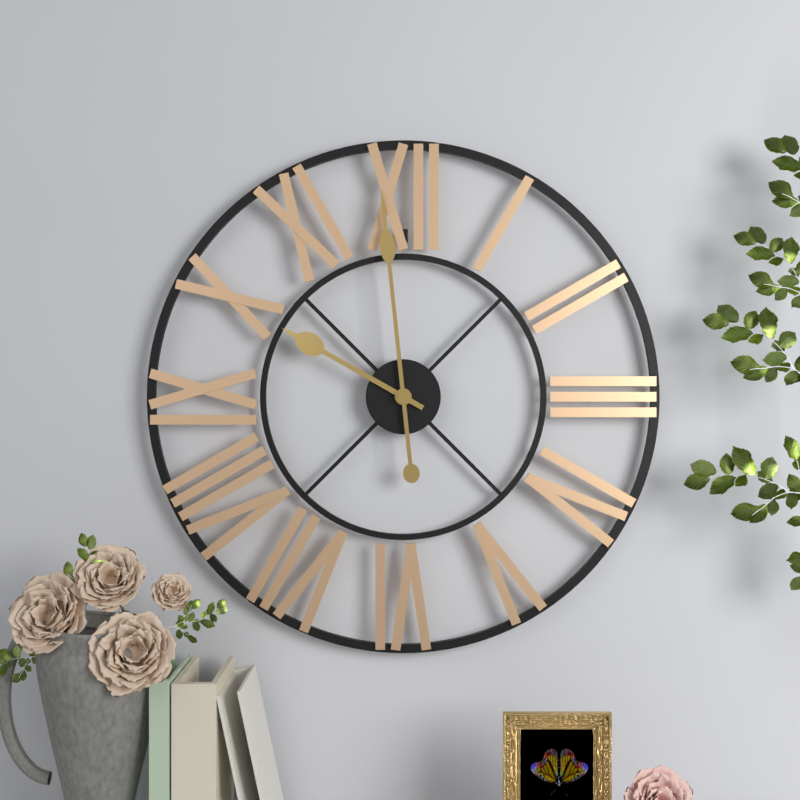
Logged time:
9h59
